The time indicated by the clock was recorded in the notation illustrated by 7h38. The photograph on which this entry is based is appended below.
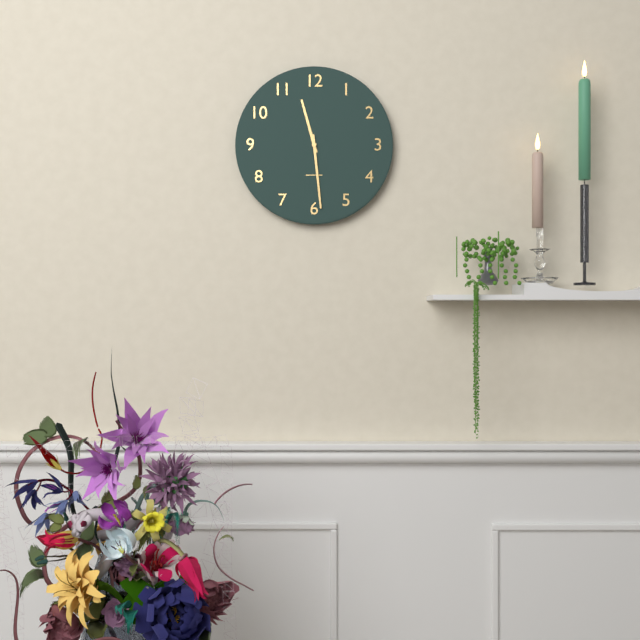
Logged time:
11h29
